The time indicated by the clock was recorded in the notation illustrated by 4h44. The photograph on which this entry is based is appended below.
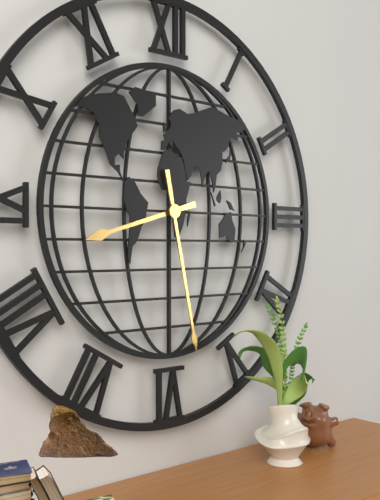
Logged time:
8h28
